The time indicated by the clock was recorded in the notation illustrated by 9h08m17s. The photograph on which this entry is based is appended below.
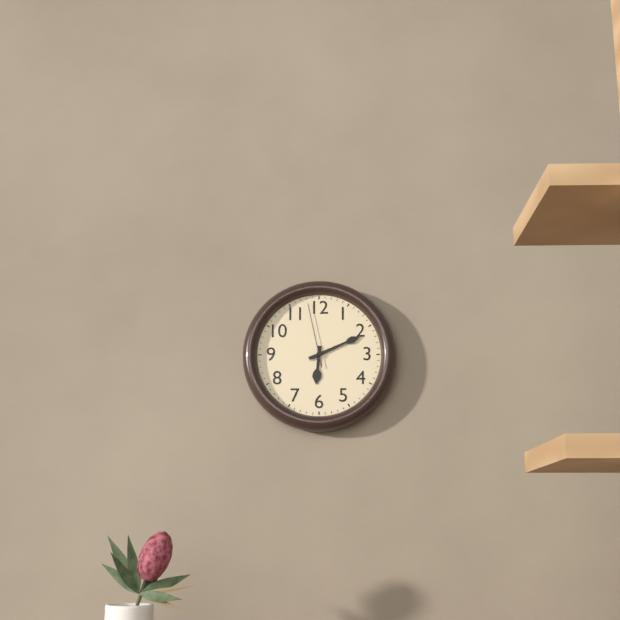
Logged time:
6h11m58s
